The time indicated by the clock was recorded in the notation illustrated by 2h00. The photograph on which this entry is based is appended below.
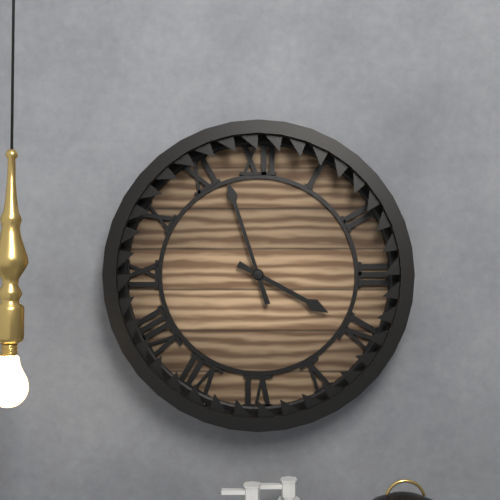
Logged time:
3h57
